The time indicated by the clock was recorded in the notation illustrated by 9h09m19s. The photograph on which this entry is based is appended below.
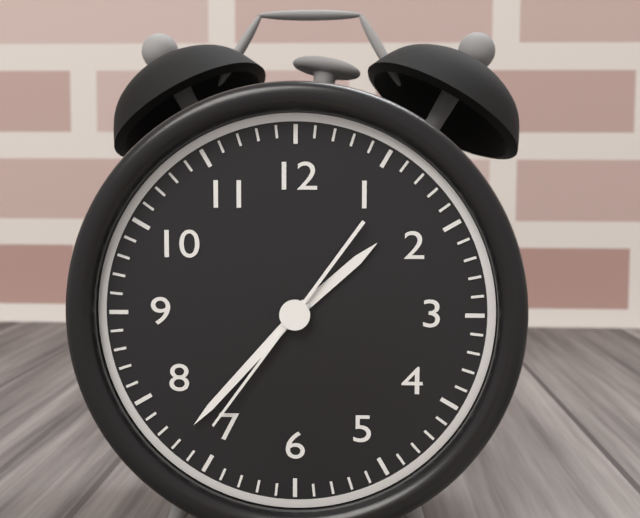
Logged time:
1h37m36s
